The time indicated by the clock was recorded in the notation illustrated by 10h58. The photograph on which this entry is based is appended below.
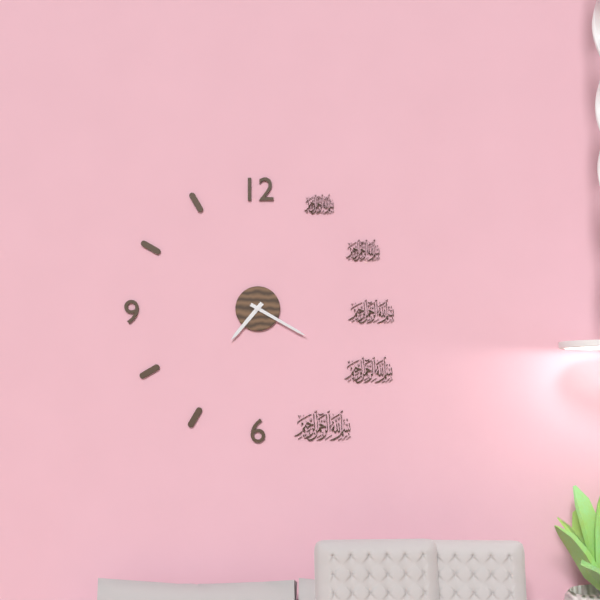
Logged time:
7h20
